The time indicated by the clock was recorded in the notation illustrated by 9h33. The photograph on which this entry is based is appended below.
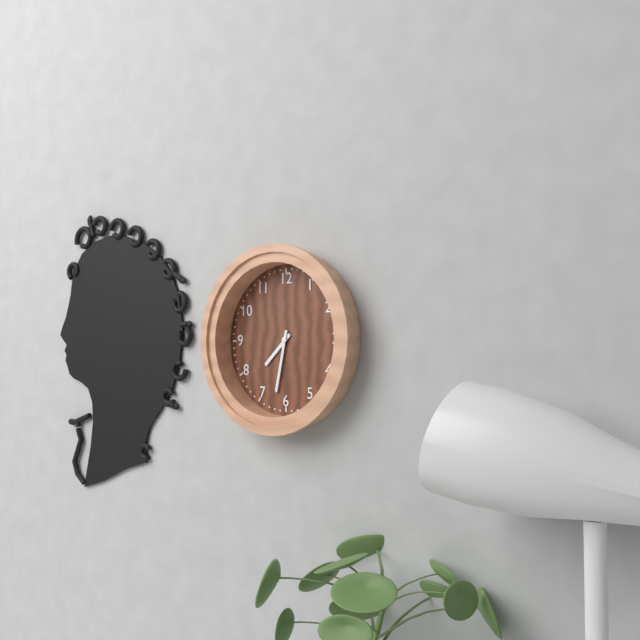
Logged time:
7h32
